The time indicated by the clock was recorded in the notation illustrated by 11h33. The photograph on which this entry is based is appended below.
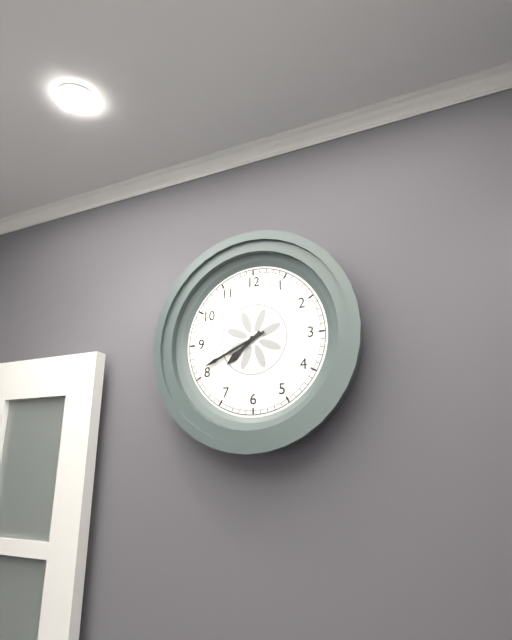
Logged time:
7h41
